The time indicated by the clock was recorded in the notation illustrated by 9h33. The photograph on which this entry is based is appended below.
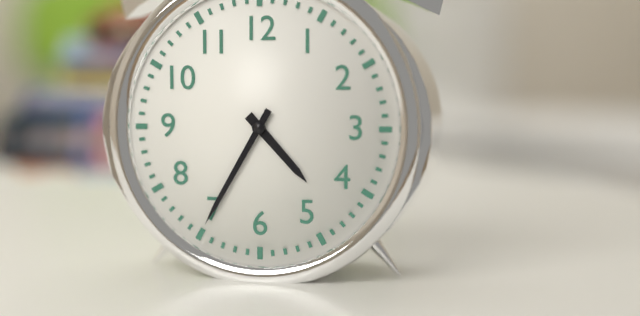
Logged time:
4h35
